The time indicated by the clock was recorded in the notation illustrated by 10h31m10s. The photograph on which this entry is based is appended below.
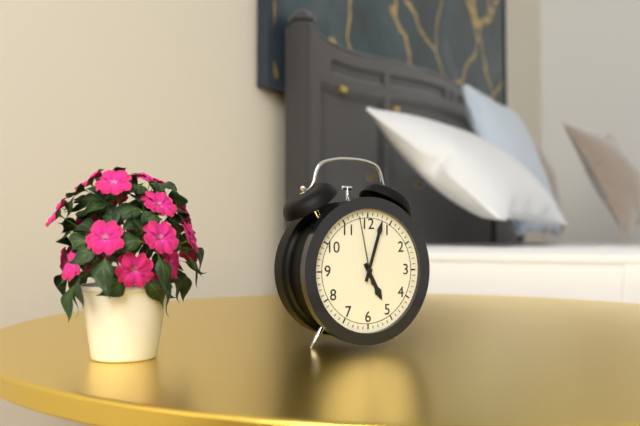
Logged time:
5h03m58s
